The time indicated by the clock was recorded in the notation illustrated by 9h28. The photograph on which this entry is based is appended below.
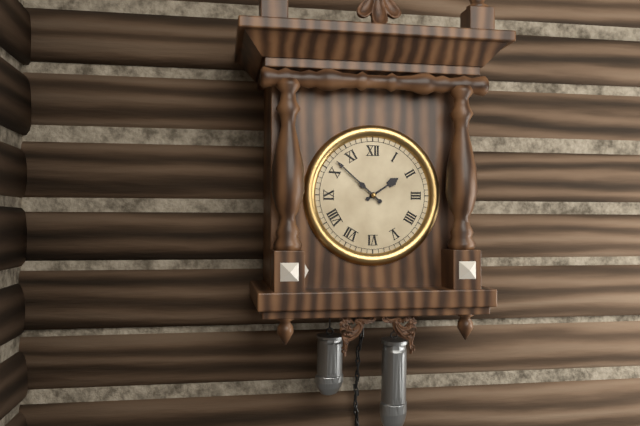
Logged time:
1h52
